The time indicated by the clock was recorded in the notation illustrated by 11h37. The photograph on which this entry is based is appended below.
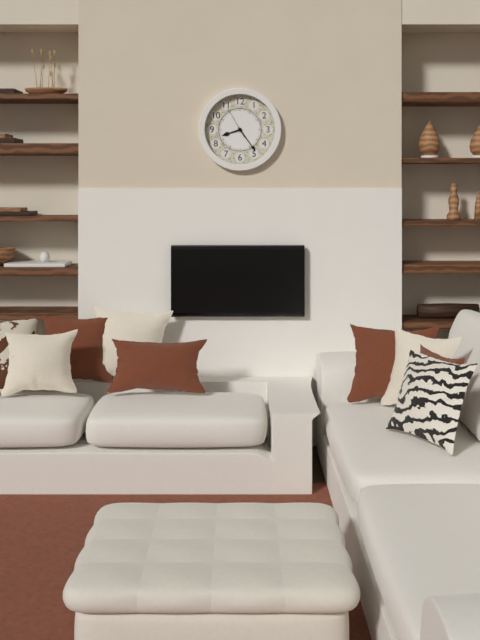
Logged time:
8h24
